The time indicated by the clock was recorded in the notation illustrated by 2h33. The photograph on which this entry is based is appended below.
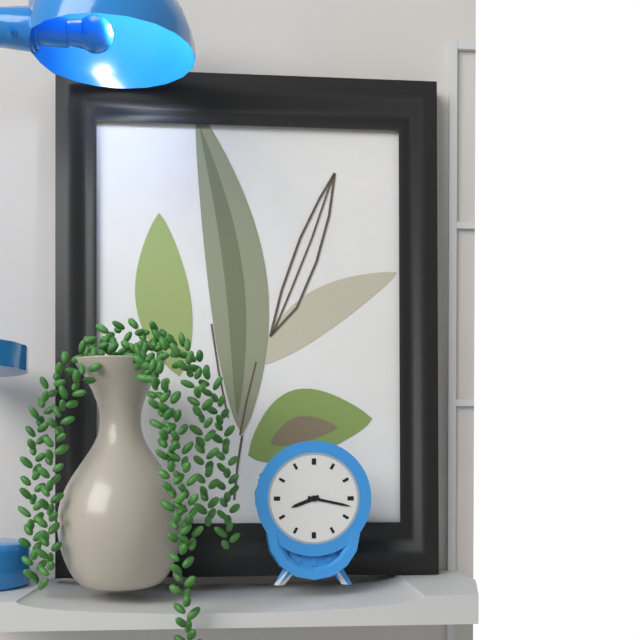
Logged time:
8h17
